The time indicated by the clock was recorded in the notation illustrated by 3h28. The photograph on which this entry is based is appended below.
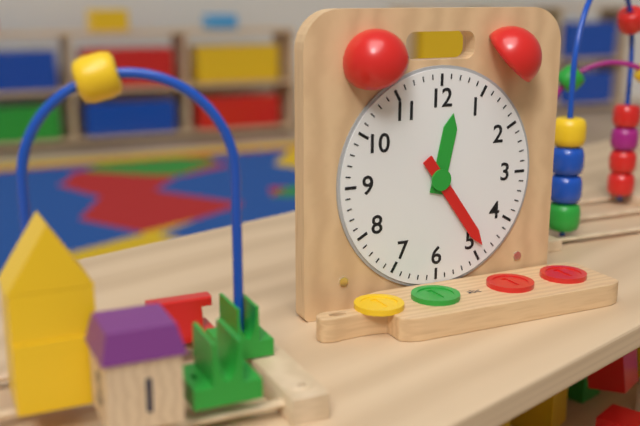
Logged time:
12h24
